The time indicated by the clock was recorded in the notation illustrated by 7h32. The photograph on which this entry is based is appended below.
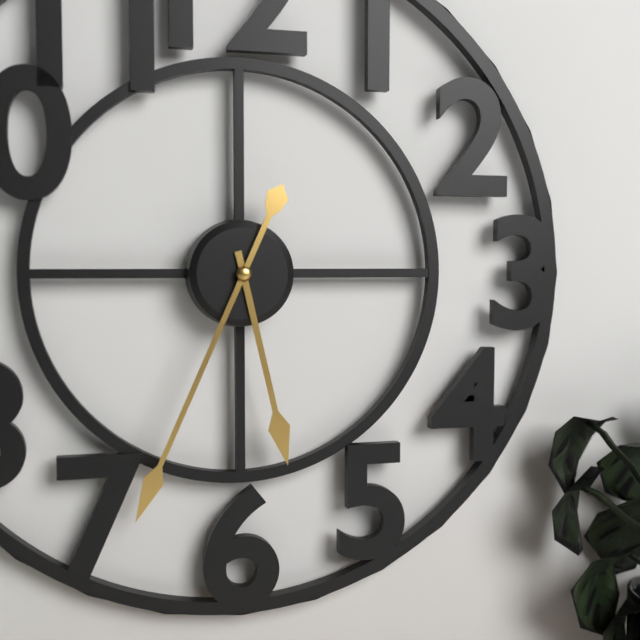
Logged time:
5h34
